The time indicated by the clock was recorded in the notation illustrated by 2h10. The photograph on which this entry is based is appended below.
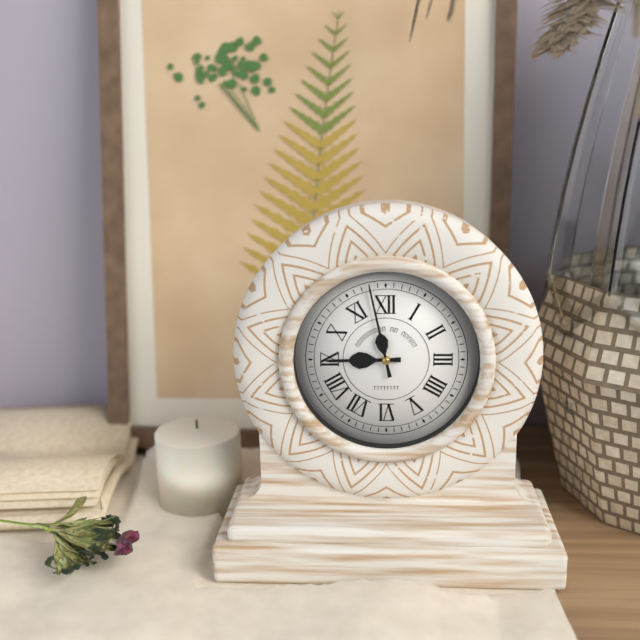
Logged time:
8h58
